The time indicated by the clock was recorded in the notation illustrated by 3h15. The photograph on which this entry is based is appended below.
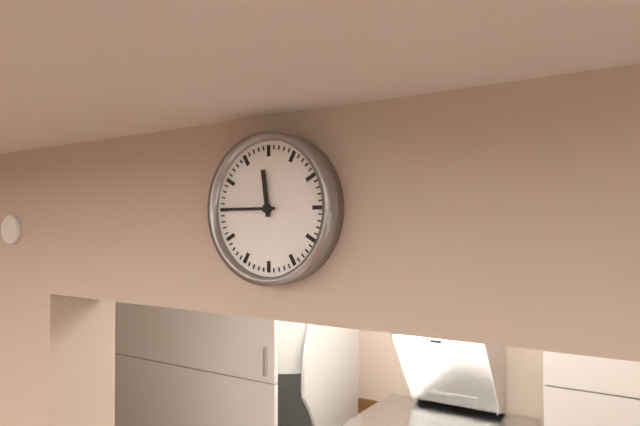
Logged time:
11h45
